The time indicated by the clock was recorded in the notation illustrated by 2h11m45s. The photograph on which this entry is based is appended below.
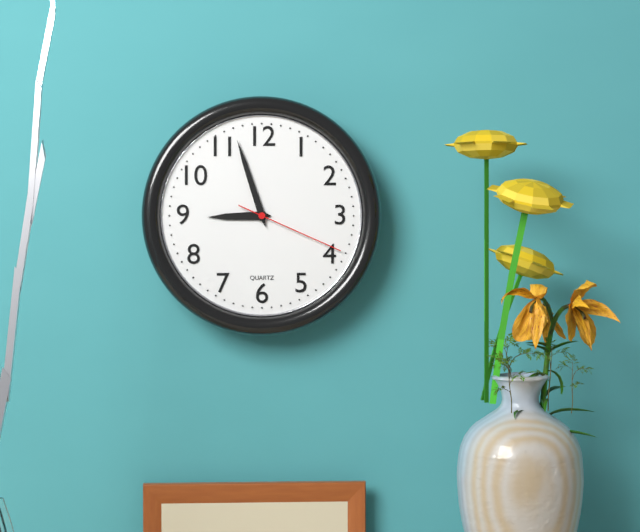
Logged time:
8h57m19s
